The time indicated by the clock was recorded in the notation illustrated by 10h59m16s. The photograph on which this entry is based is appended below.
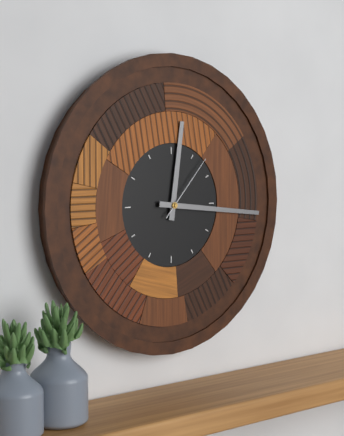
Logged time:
12h16m07s
